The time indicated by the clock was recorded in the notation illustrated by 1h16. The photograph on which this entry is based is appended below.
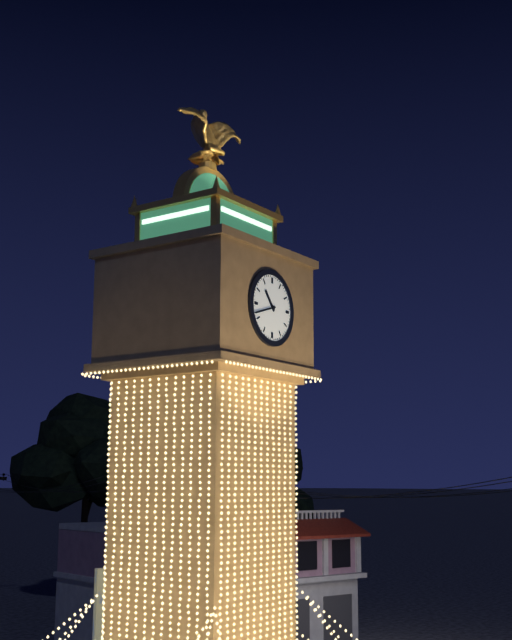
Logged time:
10h42
